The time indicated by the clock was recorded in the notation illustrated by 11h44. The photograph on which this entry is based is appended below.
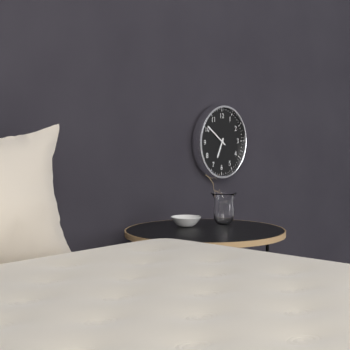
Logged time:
6h51
